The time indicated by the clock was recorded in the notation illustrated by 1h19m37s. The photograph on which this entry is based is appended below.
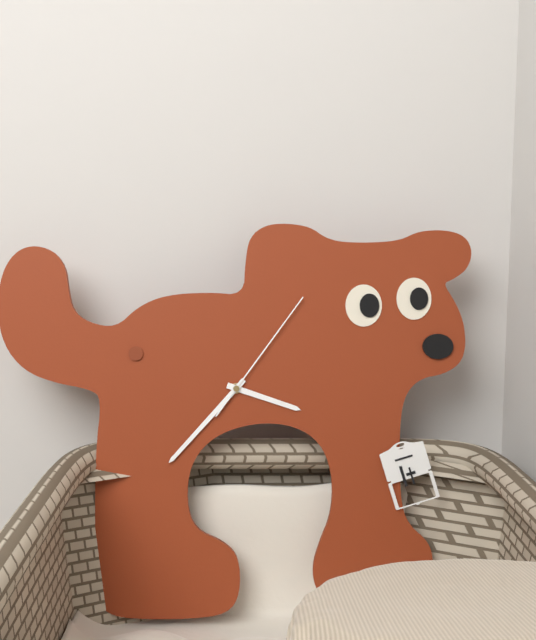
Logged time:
3h37m06s
